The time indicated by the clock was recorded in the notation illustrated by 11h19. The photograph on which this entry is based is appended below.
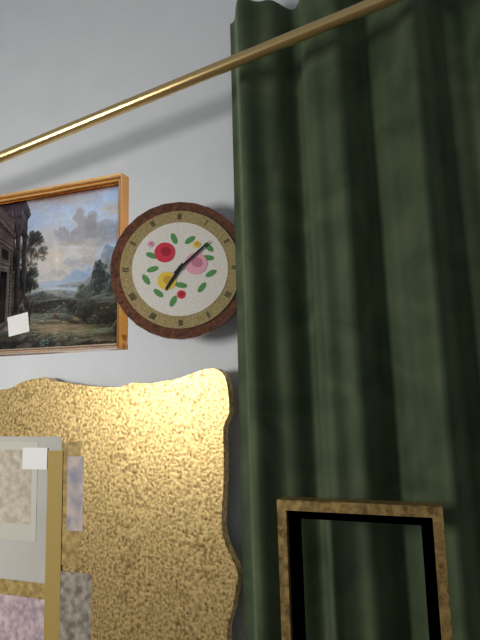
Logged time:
7h08
